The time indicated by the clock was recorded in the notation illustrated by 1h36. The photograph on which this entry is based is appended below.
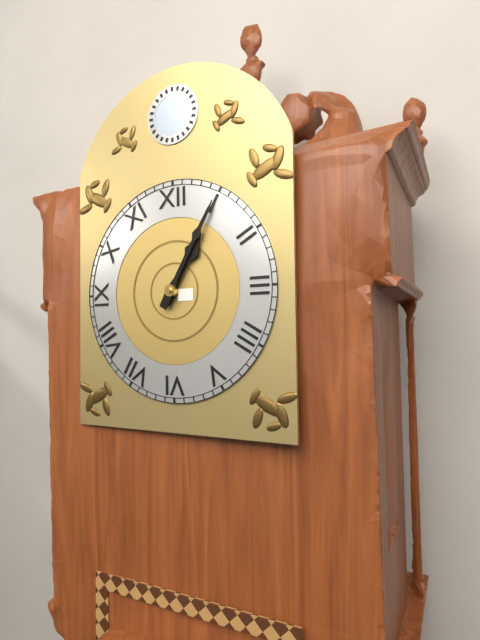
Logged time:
1h05
